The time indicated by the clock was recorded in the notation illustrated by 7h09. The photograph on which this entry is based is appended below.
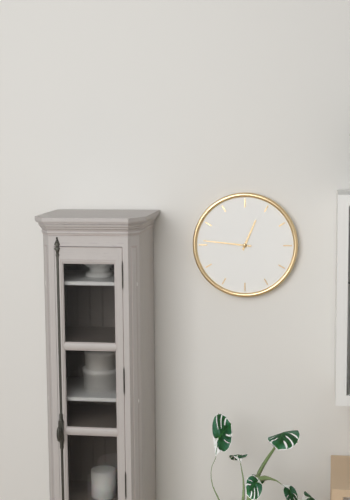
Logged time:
12h46
